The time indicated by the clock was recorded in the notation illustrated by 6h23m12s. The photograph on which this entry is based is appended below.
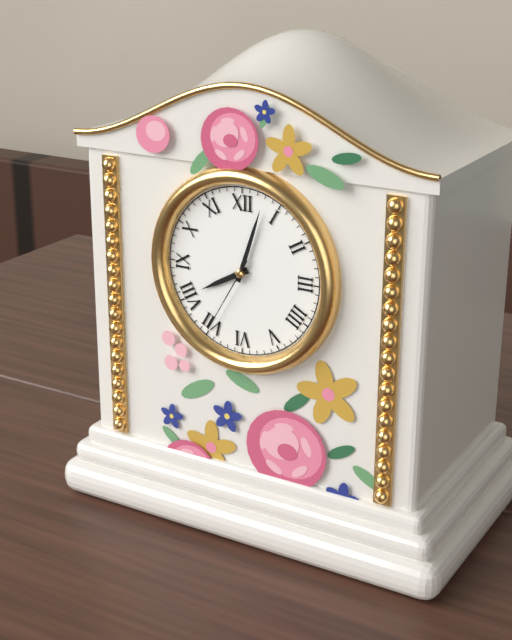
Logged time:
8h03m35s
